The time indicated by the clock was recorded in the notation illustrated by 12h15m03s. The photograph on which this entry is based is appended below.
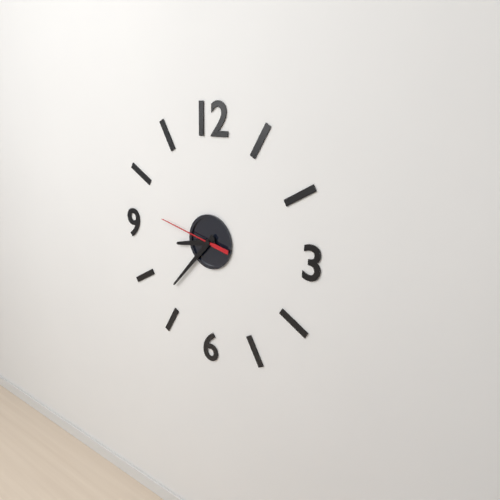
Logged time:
8h37m47s
